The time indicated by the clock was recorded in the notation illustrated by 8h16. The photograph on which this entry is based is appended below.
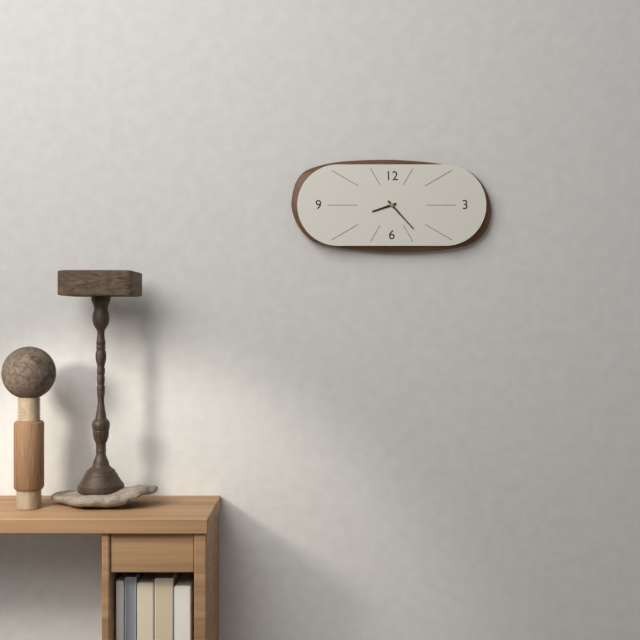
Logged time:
8h23
